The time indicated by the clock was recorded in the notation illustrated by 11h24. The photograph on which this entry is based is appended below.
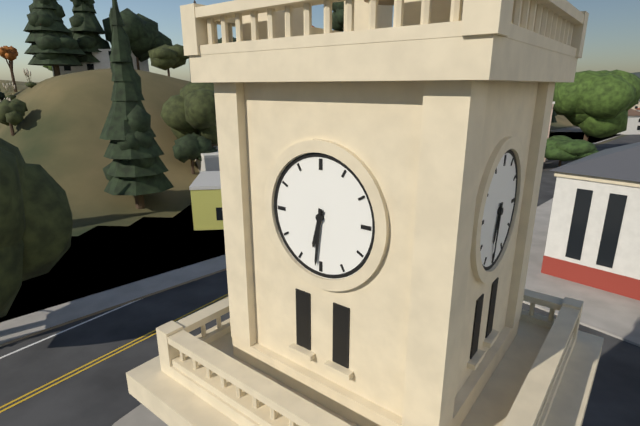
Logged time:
6h31
